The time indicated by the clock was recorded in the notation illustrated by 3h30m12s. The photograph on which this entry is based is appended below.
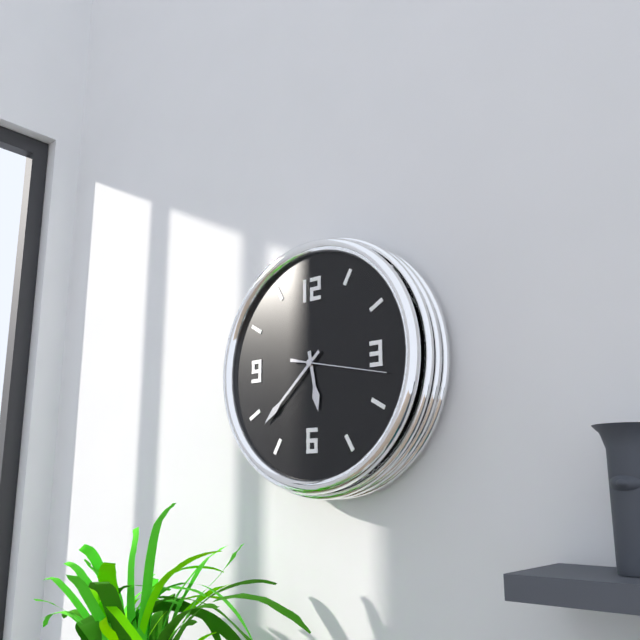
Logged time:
5h38m17s
